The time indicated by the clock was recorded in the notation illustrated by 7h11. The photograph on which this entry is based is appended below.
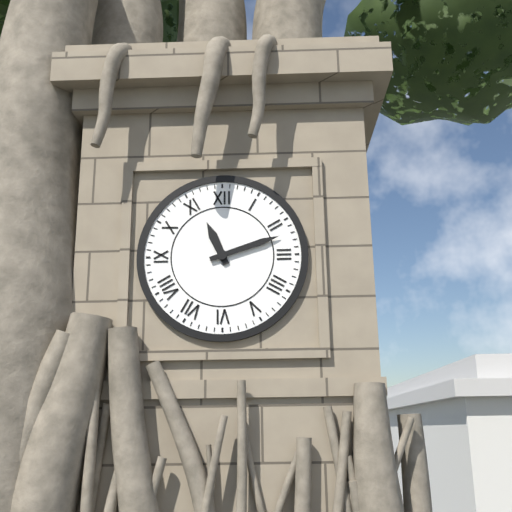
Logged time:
11h12
